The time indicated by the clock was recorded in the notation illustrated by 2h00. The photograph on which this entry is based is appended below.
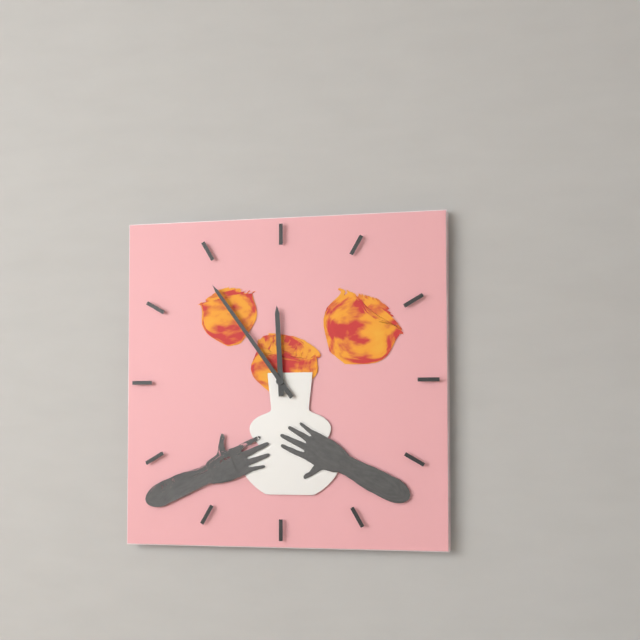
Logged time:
11h54
